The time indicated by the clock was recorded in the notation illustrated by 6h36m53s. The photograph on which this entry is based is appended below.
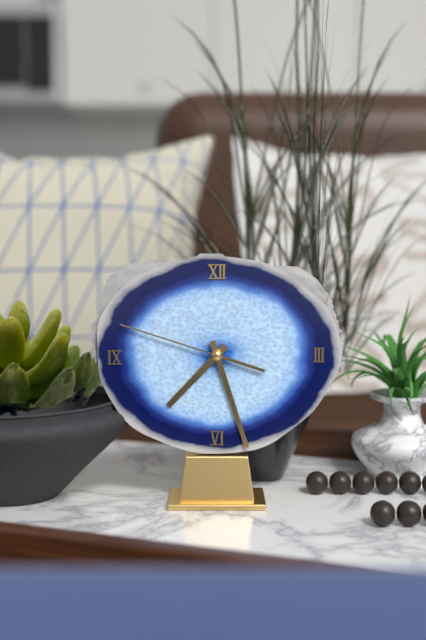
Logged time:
7h27m48s
